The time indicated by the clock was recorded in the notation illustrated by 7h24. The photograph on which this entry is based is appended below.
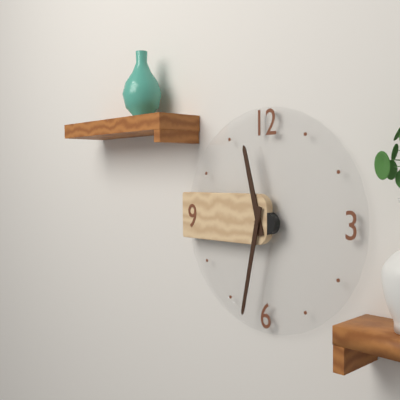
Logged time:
11h32
